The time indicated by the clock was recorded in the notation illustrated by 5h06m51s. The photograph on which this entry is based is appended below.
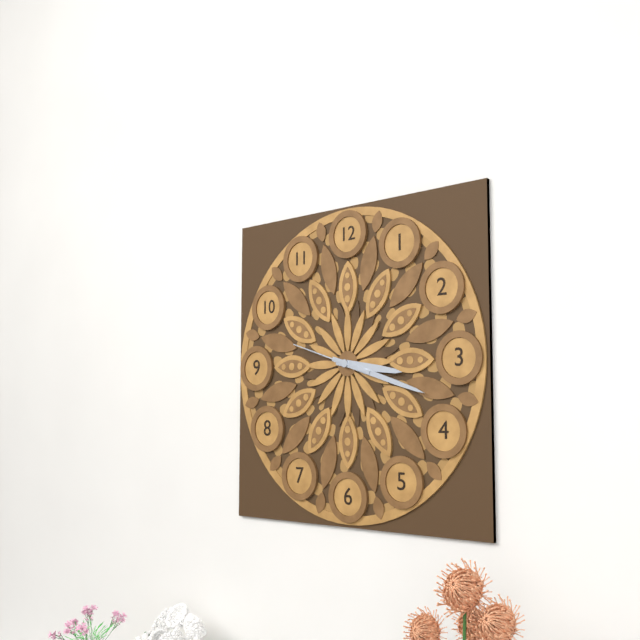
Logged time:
3h18m48s
